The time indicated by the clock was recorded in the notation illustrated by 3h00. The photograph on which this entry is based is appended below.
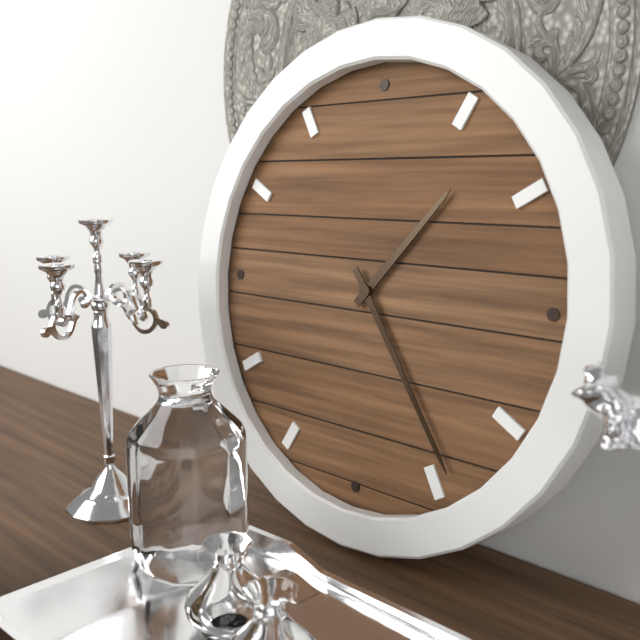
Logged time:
1h24
